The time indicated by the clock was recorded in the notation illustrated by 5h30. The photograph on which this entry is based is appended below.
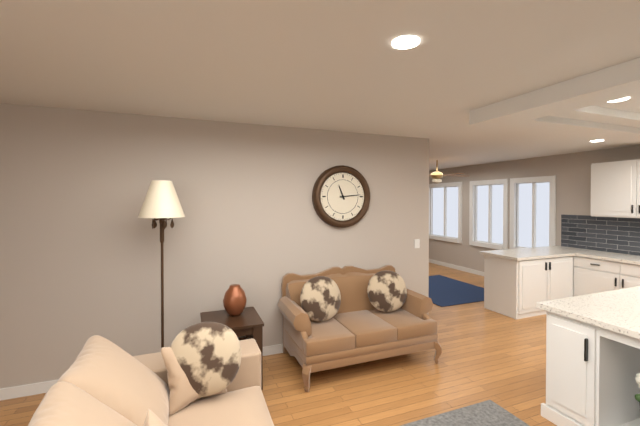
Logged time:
11h14
